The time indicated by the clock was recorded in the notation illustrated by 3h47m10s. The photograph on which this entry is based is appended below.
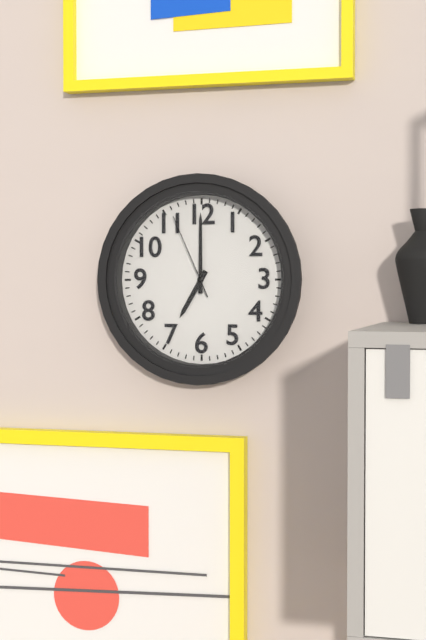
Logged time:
7h00m56s
